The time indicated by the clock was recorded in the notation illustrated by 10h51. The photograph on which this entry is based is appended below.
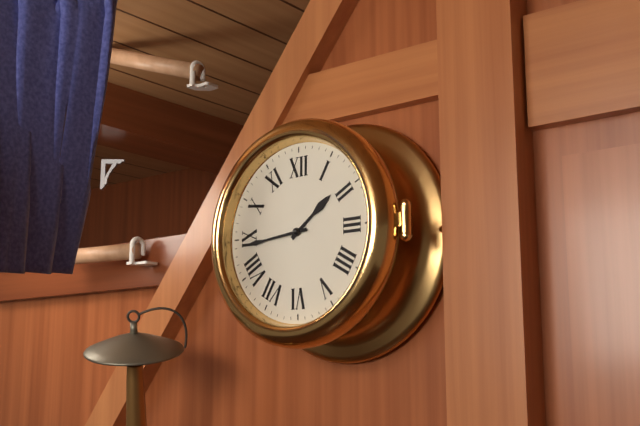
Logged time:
1h44
